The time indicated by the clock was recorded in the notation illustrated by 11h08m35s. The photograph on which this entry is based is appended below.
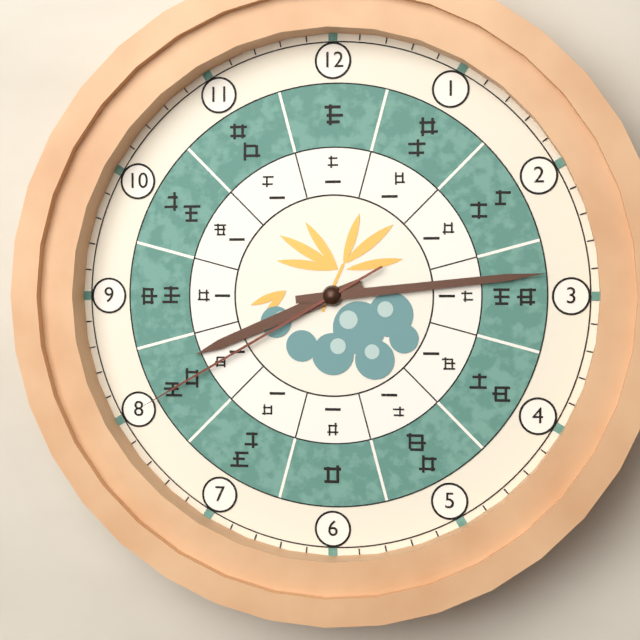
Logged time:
8h14m40s
